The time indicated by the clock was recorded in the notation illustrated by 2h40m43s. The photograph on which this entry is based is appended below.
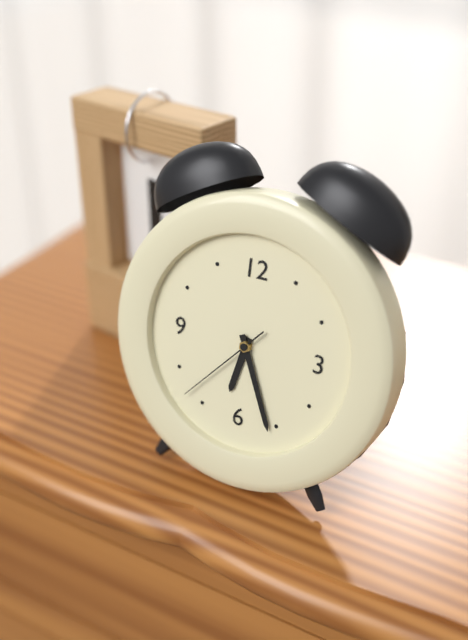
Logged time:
6h26m37s
